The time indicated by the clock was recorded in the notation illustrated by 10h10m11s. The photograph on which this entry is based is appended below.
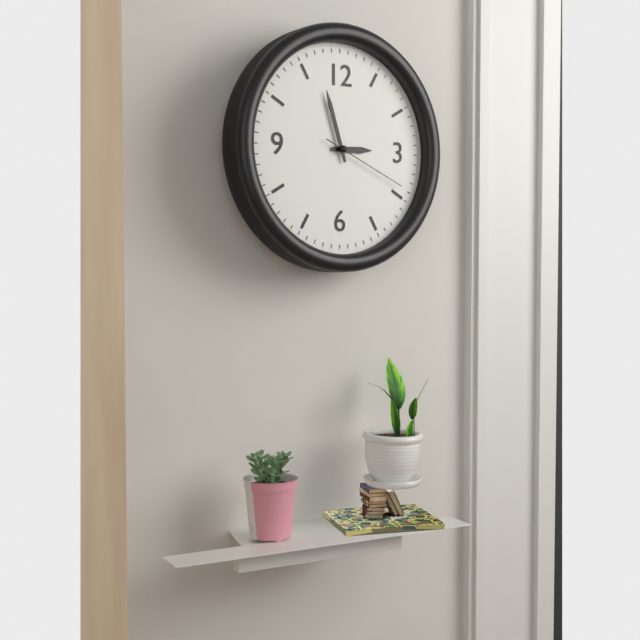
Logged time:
2h57m19s
